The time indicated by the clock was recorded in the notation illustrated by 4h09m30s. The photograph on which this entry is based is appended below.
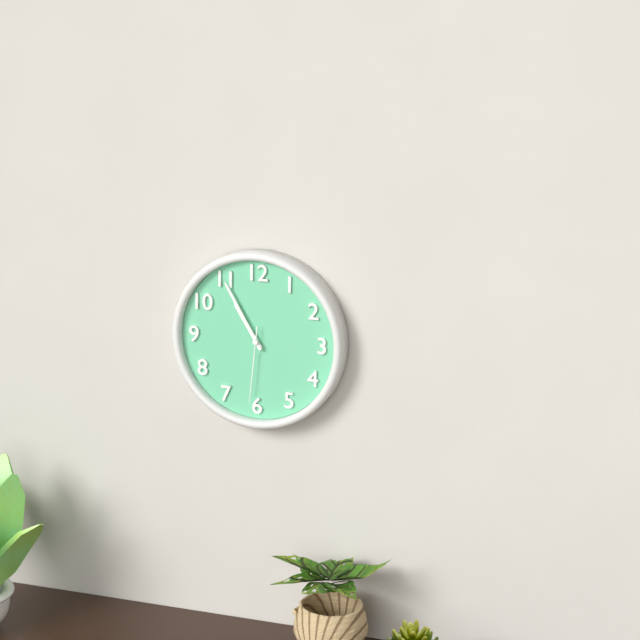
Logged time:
10h55m31s
